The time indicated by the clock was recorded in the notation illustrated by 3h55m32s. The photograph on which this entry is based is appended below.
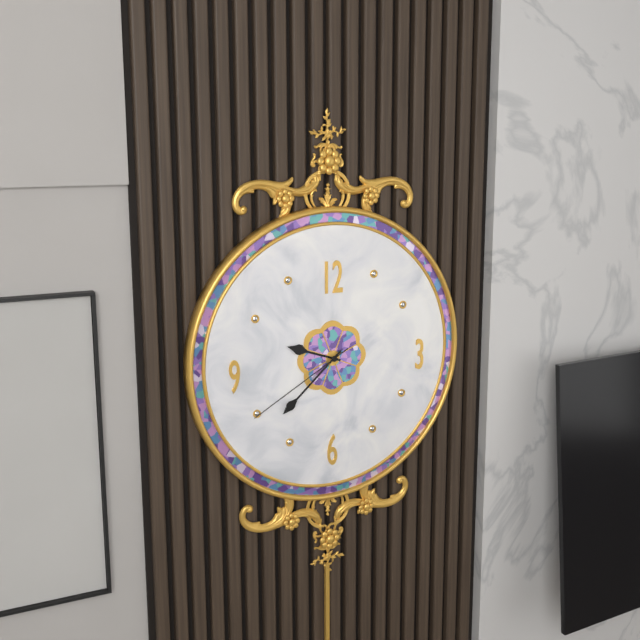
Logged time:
9h38m40s
